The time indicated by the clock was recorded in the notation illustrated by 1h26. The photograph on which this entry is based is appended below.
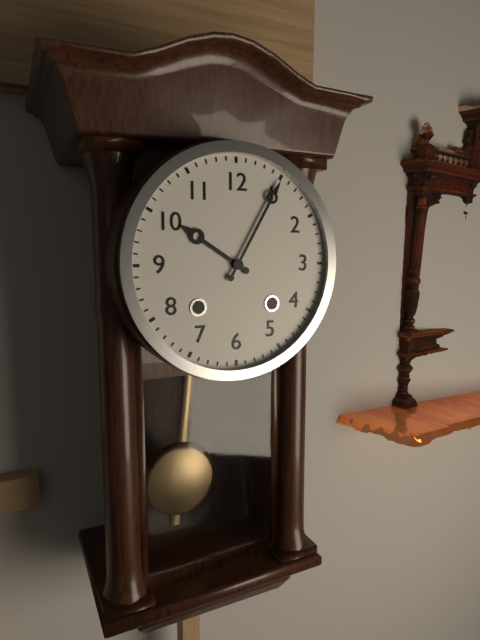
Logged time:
10h05
